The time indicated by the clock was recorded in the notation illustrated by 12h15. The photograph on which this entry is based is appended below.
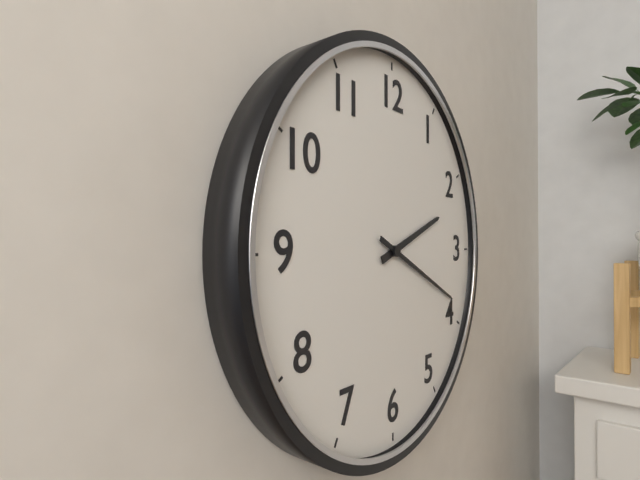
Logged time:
2h19
